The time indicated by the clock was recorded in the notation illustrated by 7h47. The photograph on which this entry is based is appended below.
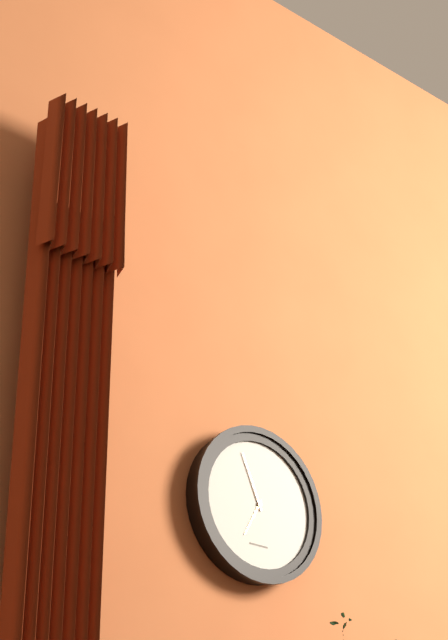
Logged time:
6h56
